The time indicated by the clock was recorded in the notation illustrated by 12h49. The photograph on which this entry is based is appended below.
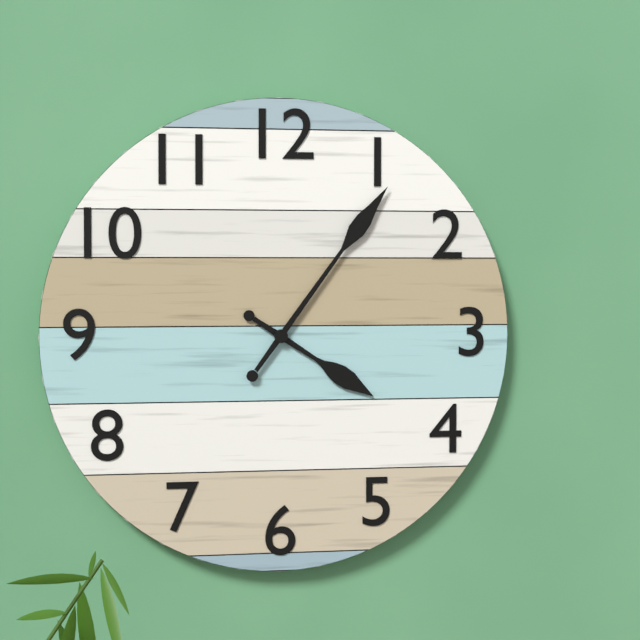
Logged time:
4h06
